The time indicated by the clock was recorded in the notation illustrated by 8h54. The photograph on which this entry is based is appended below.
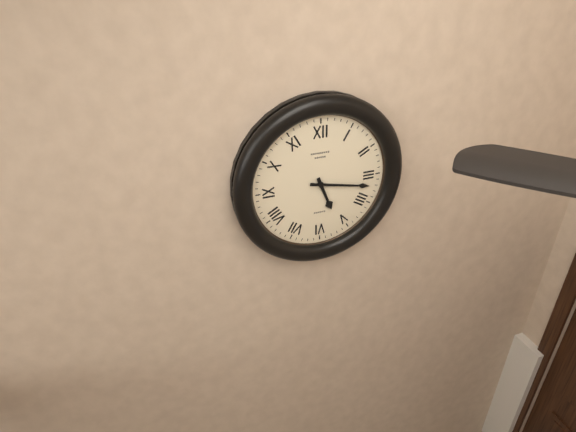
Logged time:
5h17
